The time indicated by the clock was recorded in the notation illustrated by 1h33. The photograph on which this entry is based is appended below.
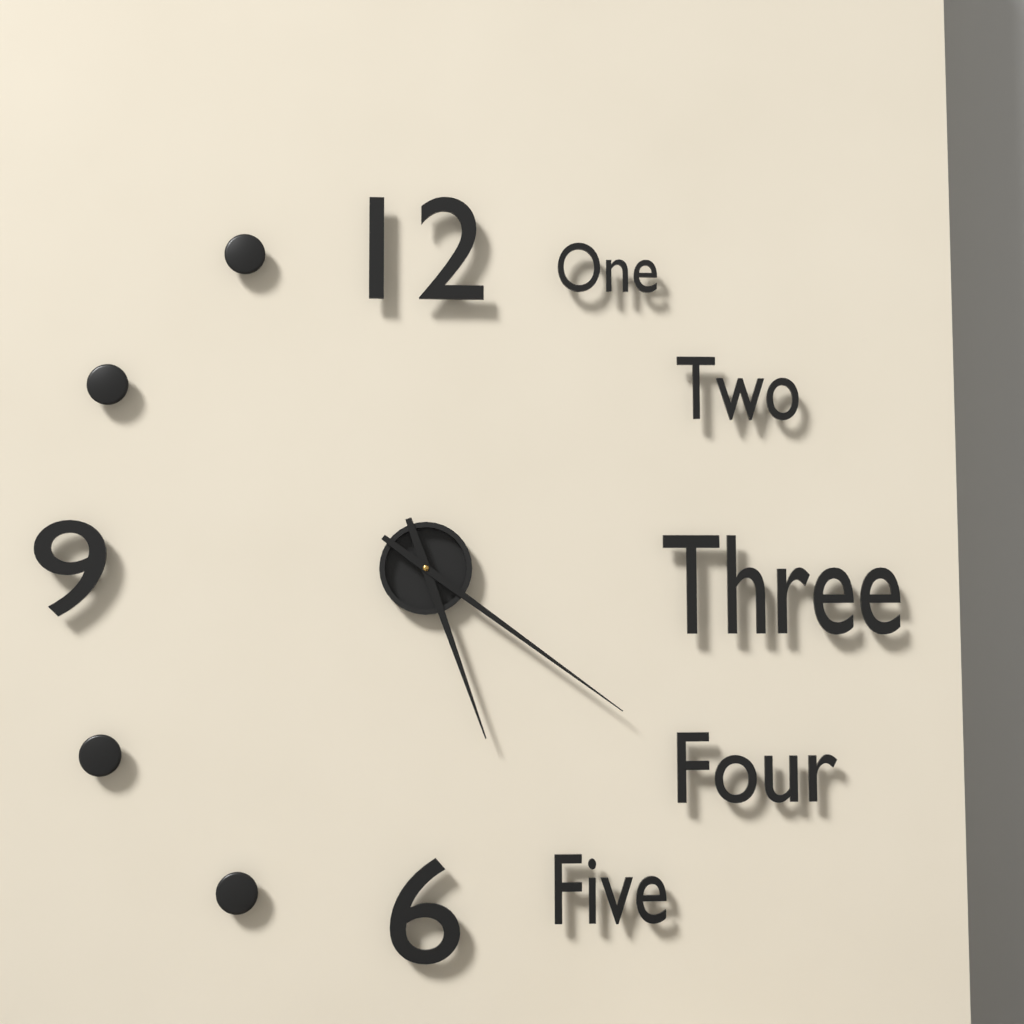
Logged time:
5h21
